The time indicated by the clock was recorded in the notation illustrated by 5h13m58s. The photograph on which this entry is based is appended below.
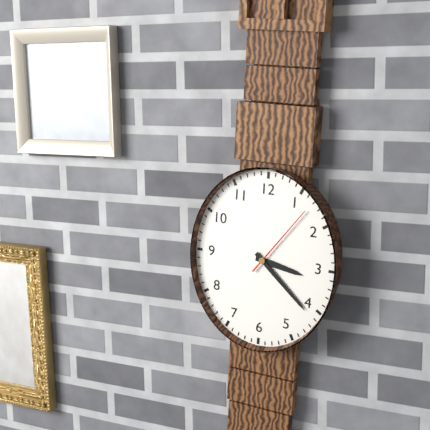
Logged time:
3h22m06s
